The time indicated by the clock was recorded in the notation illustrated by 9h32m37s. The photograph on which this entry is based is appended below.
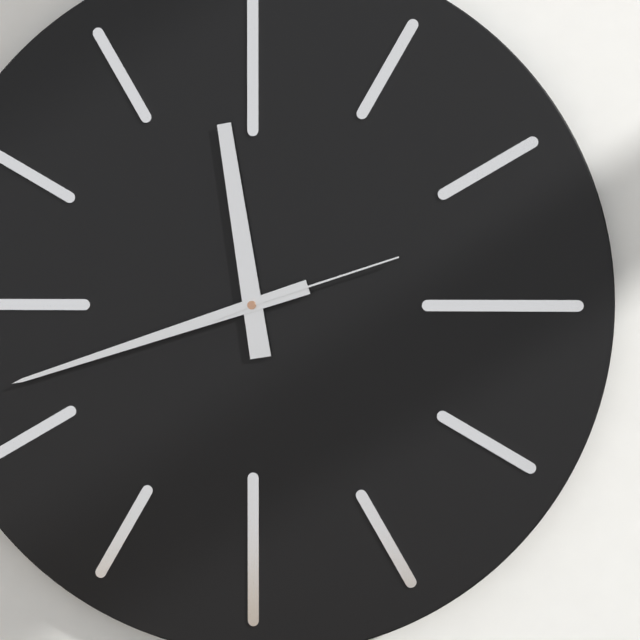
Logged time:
11h42m12s
